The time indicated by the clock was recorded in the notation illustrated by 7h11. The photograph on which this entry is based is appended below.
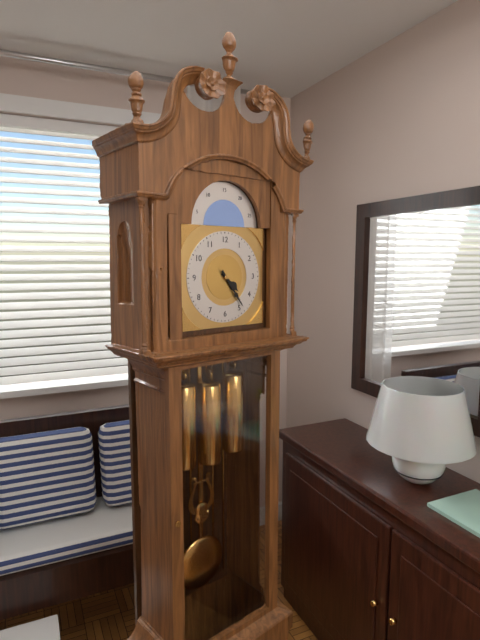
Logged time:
4h24
